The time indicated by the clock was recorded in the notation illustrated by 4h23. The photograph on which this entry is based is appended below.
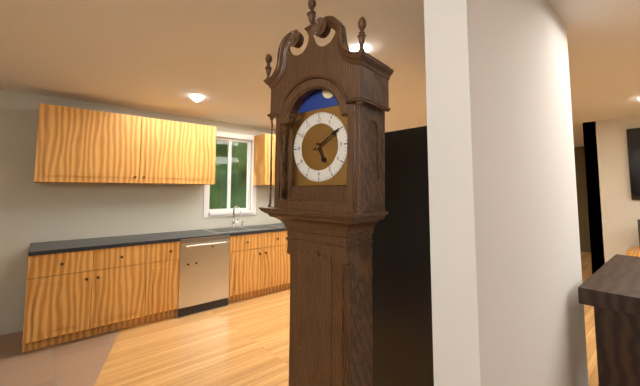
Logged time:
5h10
